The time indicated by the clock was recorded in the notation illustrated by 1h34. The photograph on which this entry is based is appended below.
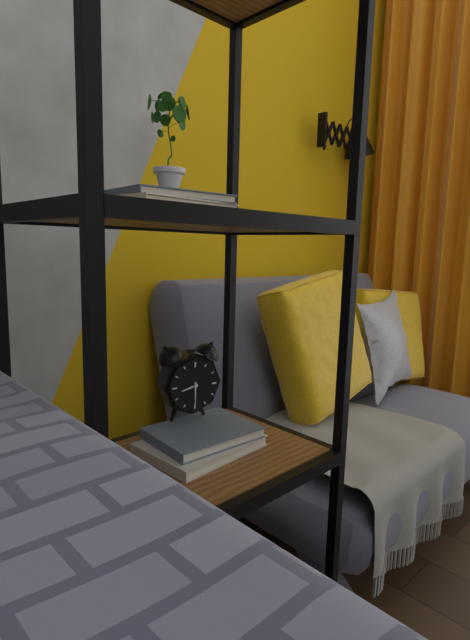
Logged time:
8h30
